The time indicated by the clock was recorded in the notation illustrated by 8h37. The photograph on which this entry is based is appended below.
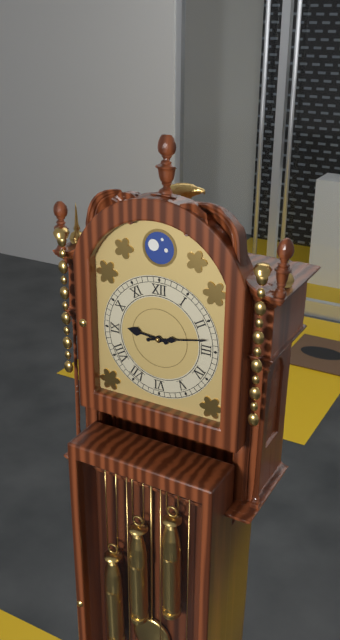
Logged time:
9h13
